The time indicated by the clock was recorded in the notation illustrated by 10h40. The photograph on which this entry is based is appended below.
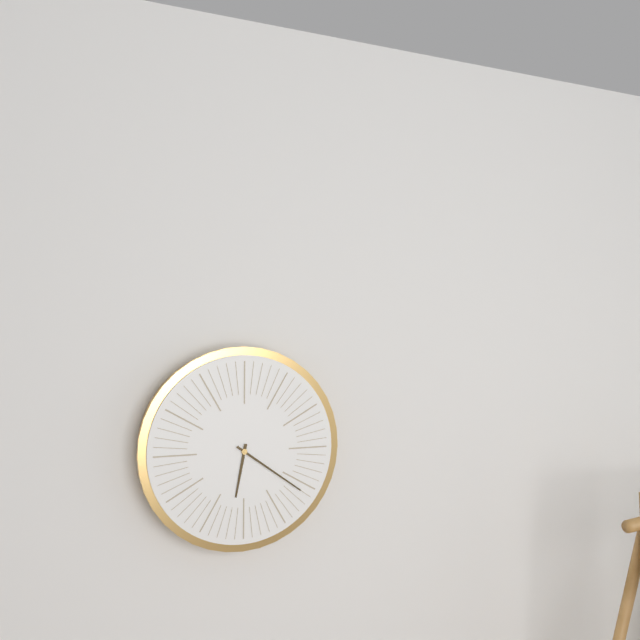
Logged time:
6h21
